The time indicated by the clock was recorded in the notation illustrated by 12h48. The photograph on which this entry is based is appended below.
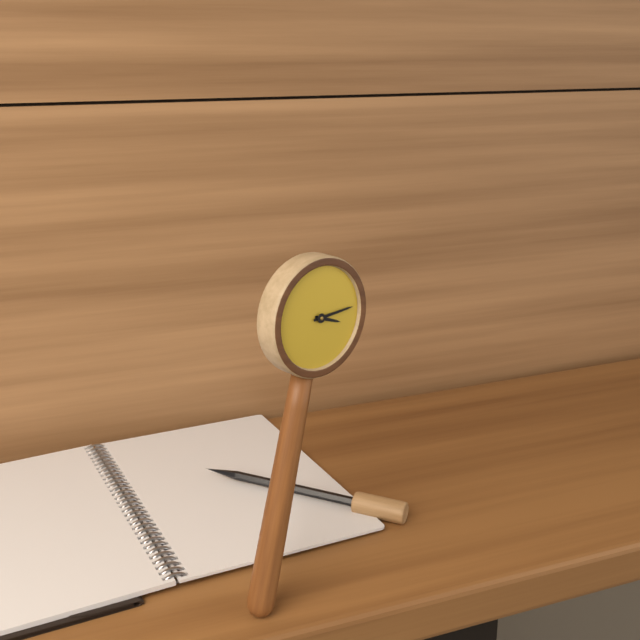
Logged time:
3h12
